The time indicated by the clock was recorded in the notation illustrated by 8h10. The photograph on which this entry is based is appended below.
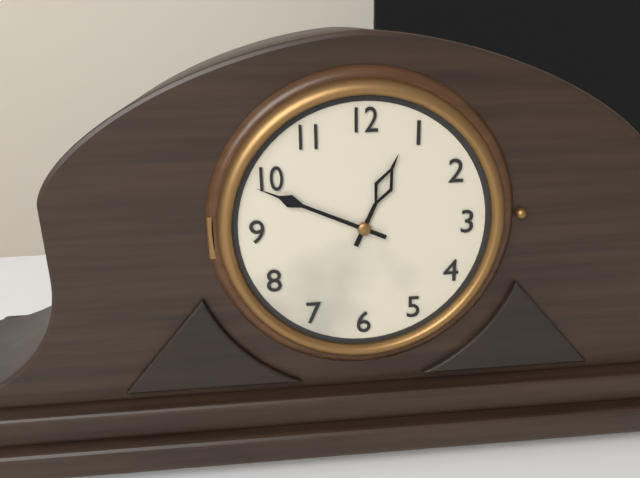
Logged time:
12h49
